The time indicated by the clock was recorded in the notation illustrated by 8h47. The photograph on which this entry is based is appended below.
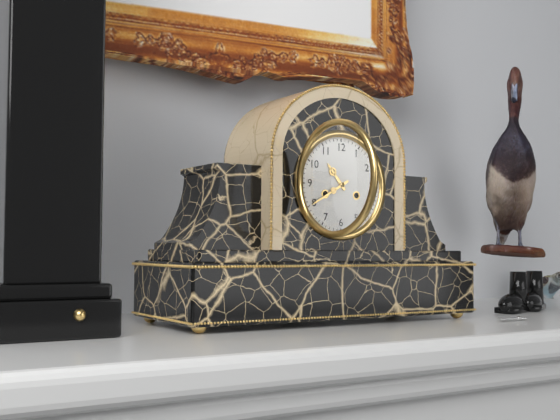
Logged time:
10h40
